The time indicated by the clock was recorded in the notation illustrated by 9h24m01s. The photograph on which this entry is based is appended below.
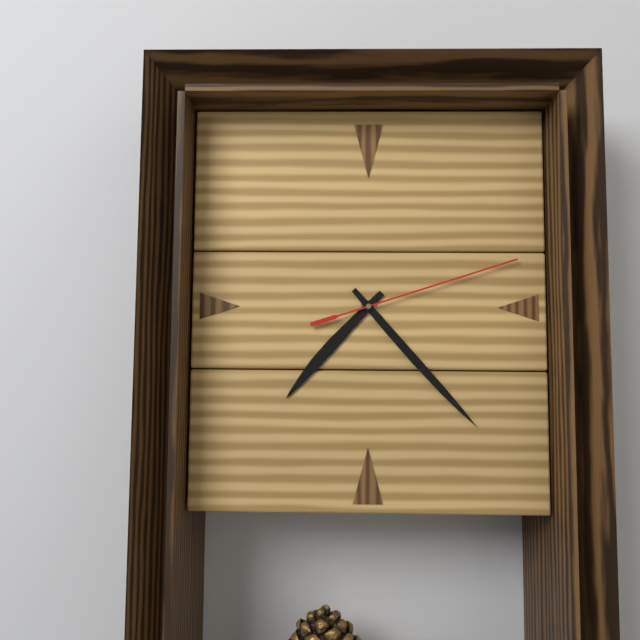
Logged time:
7h23m12s
